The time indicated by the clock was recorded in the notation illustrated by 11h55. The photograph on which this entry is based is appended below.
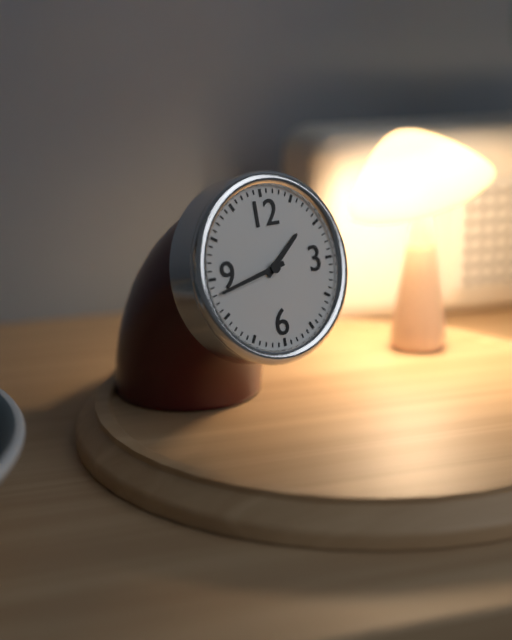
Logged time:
1h43
